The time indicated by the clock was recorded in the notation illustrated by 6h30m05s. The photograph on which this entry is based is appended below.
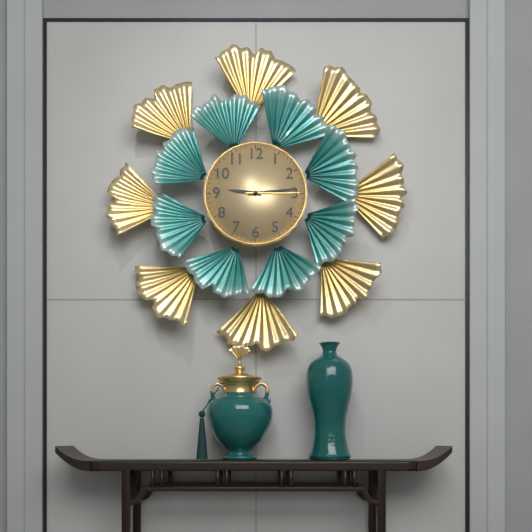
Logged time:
9h14m15s
